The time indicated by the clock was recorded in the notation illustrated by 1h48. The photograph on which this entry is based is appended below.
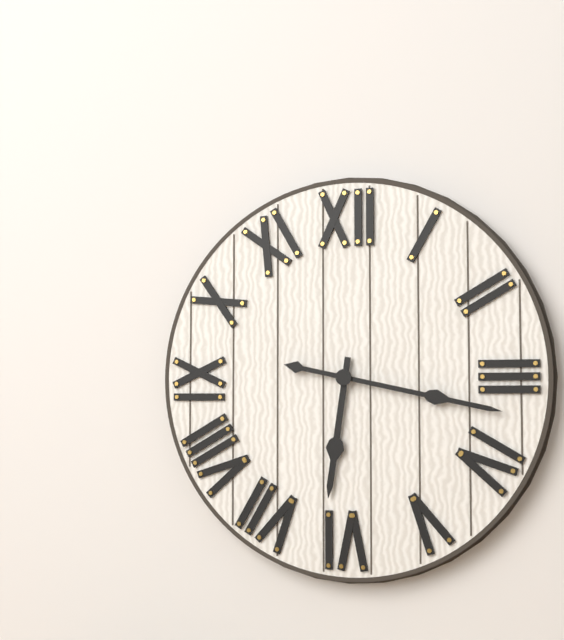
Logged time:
6h17
